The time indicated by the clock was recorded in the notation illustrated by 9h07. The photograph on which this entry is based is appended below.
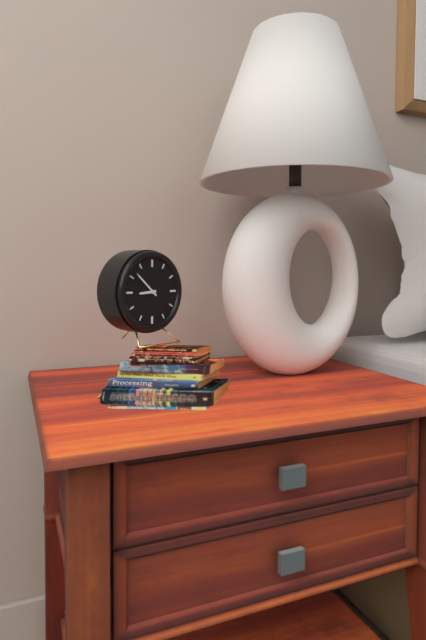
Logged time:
8h52
